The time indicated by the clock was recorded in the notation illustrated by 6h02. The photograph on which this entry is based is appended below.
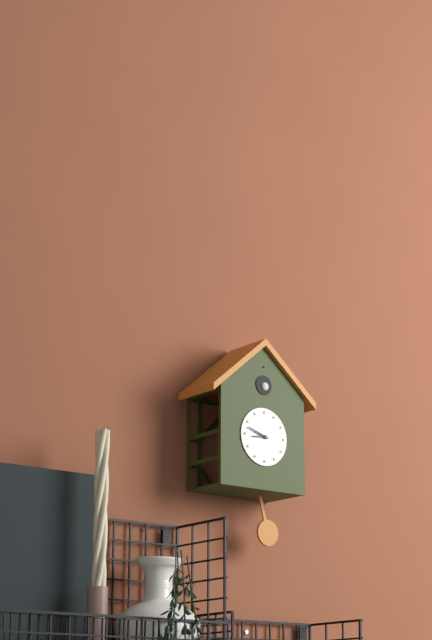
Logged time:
8h48
